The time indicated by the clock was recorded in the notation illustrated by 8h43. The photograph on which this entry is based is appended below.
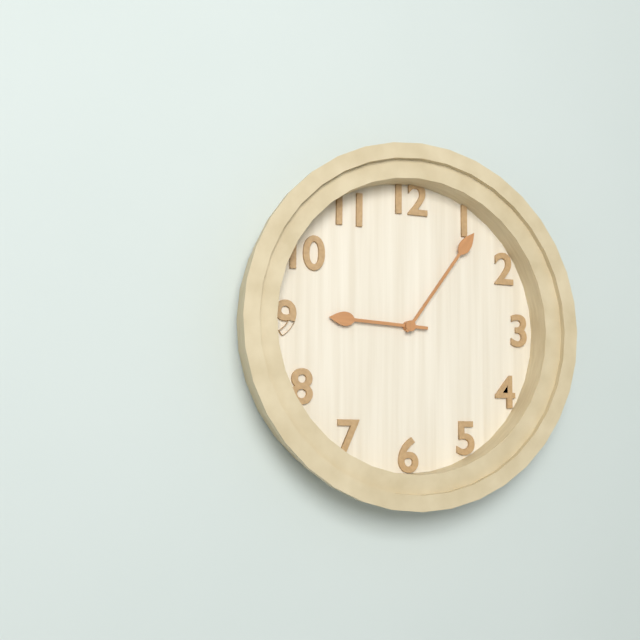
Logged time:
9h06
